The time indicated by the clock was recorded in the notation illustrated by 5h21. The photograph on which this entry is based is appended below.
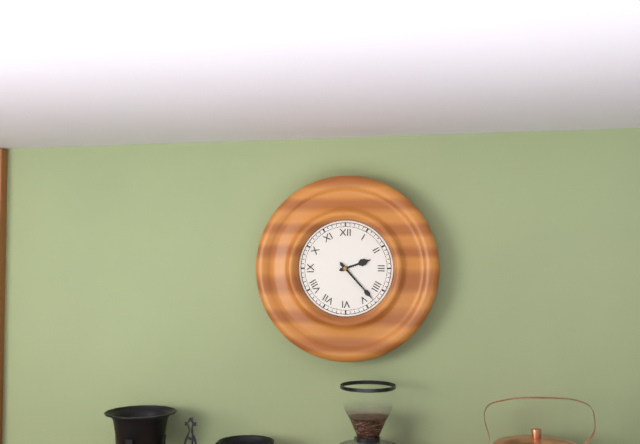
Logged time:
2h23
